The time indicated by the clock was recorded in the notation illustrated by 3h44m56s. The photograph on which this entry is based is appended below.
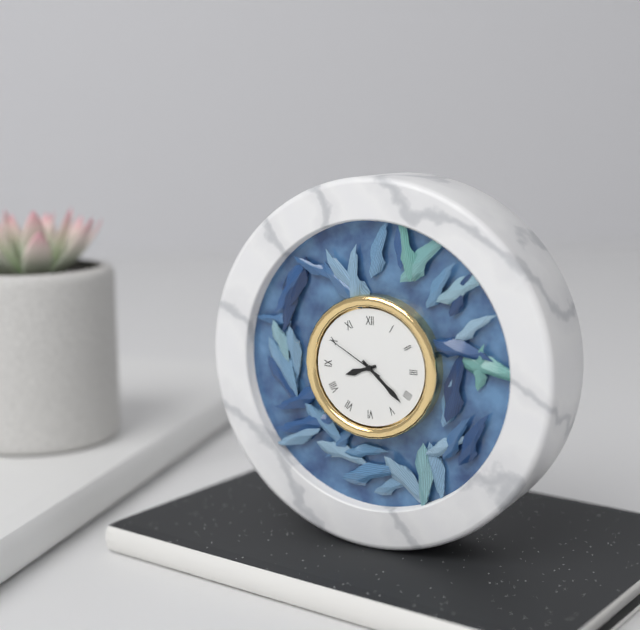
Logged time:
8h22m50s
